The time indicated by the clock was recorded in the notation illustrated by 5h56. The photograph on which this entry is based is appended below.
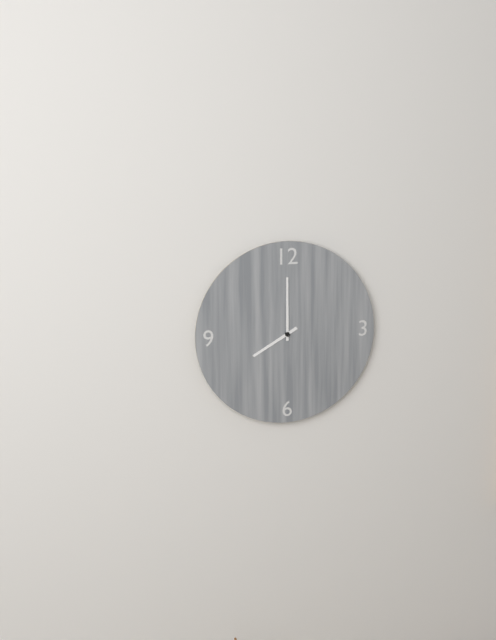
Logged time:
8h00
